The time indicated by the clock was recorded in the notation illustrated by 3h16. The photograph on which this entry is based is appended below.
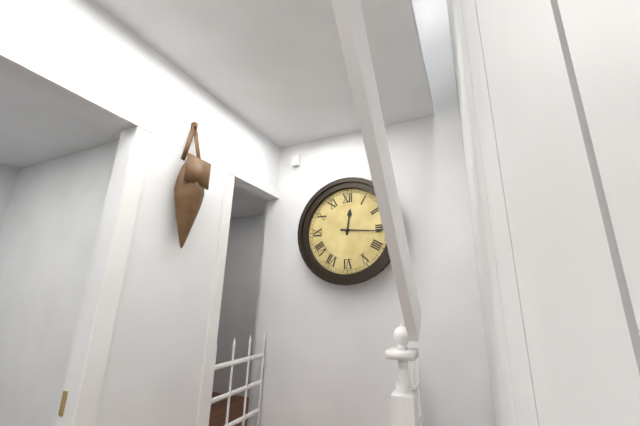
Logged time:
12h16
